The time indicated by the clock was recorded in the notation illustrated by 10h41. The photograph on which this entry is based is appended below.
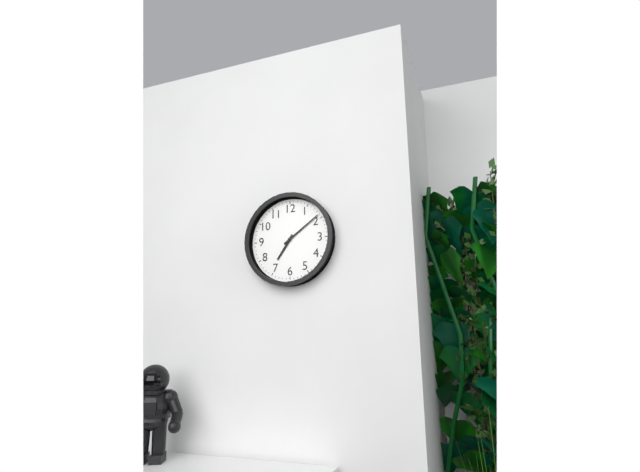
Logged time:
7h09
